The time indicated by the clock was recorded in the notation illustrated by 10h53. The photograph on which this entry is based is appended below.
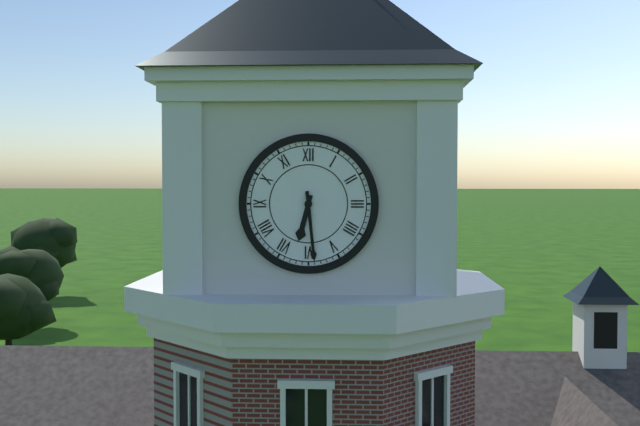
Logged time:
6h29
